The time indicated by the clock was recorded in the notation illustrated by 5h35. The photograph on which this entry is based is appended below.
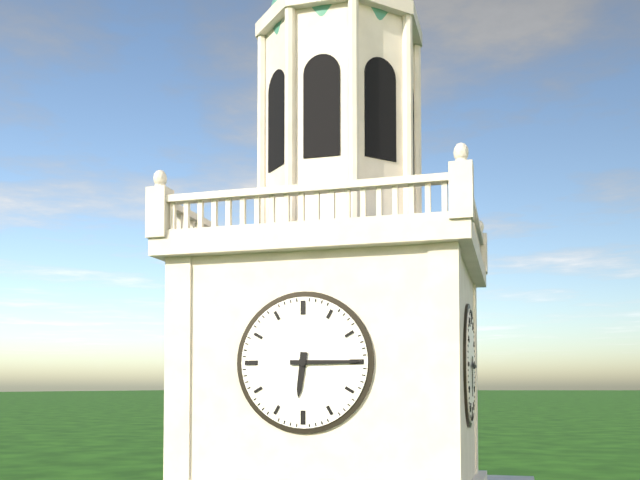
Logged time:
6h15
